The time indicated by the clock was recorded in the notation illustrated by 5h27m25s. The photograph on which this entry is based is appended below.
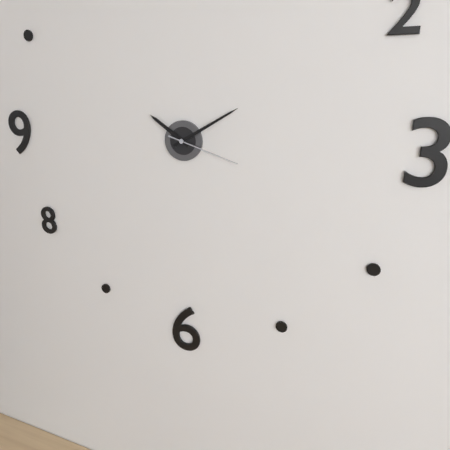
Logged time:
10h10m18s
